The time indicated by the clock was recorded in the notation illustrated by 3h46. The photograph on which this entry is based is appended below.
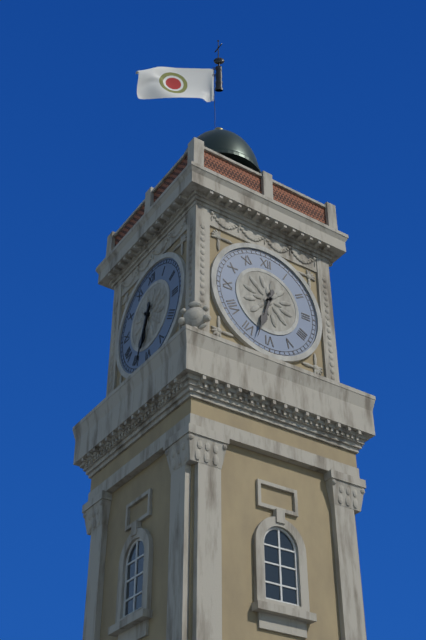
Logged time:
6h33
